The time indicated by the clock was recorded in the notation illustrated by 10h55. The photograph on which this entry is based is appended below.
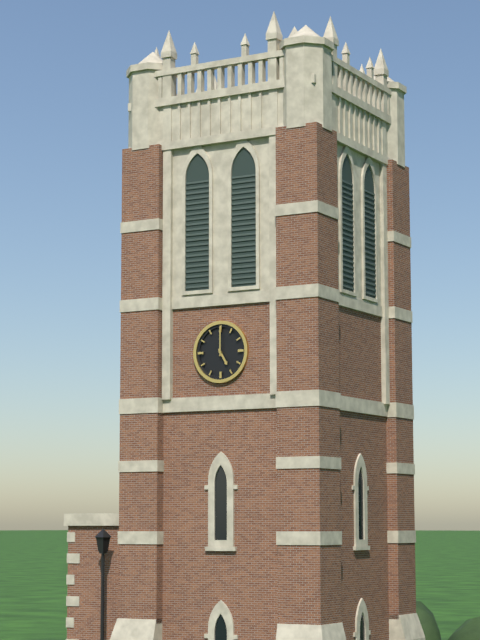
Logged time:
5h00
